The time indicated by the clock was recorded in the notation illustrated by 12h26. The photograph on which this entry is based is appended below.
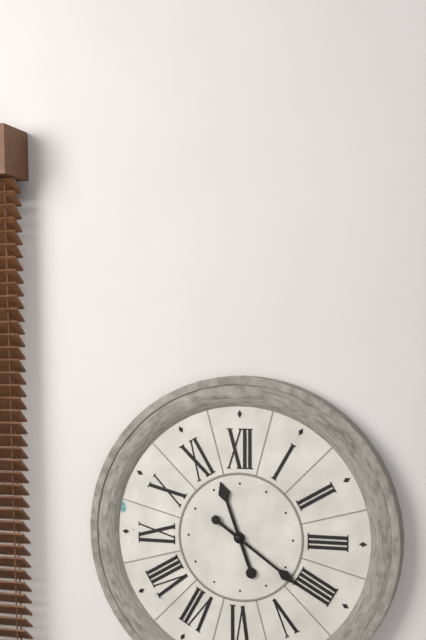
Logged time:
11h21
